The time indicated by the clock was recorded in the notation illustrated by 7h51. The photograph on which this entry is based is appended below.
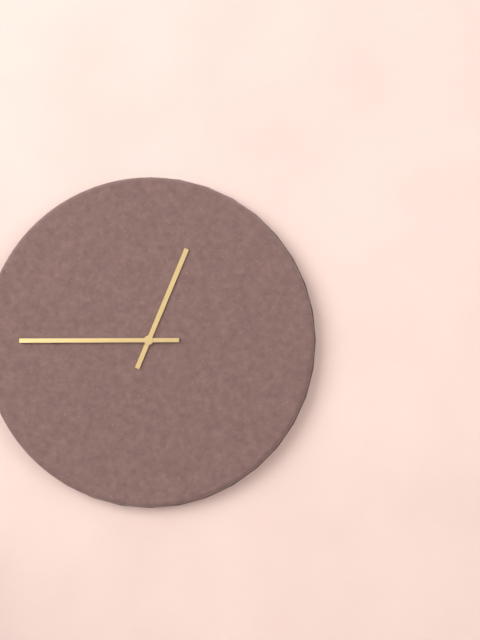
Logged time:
12h45
